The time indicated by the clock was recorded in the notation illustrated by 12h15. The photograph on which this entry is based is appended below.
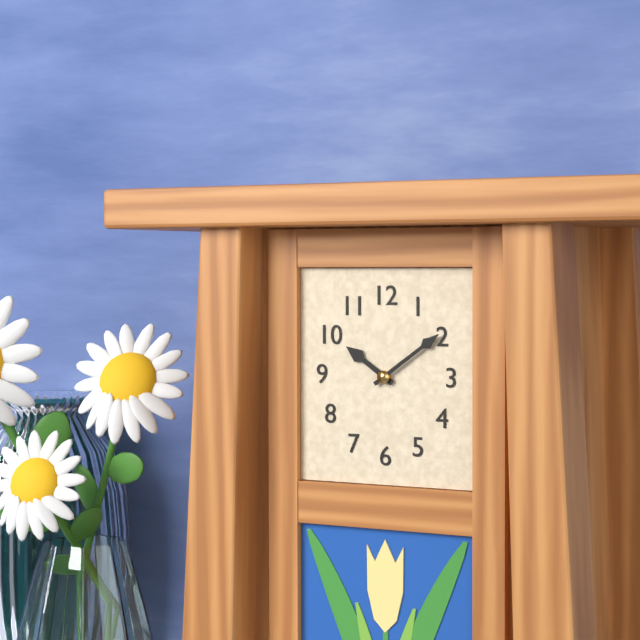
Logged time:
10h09
